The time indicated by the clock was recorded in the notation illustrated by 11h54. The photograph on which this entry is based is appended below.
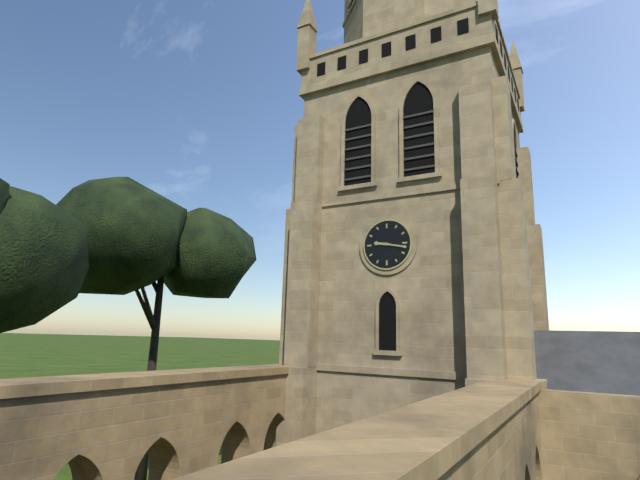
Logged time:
9h17
